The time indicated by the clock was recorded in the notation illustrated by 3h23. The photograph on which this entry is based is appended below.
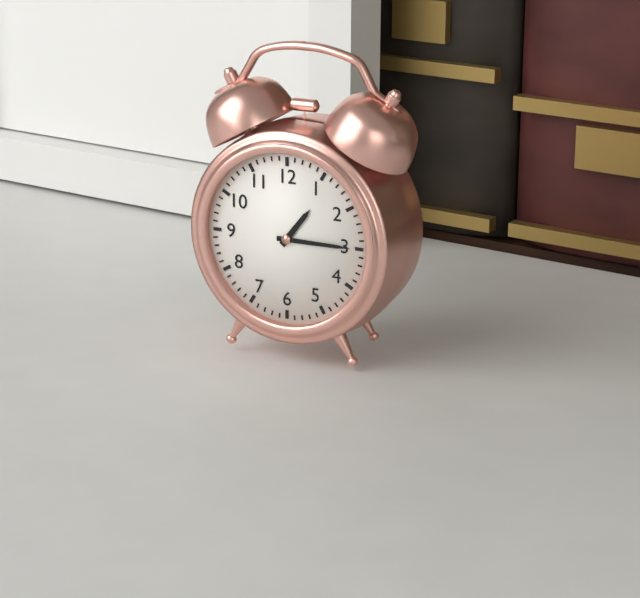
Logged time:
1h15
